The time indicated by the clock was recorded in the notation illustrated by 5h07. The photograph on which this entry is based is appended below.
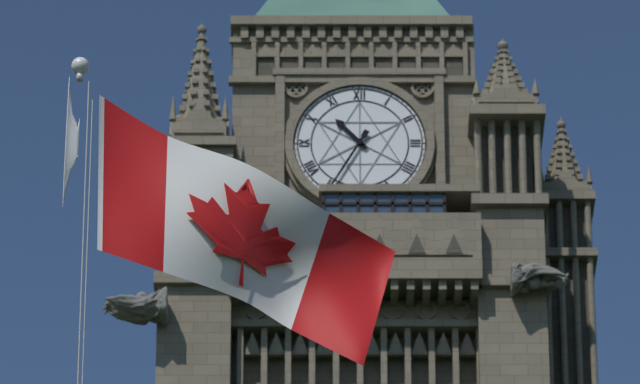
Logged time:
10h35
